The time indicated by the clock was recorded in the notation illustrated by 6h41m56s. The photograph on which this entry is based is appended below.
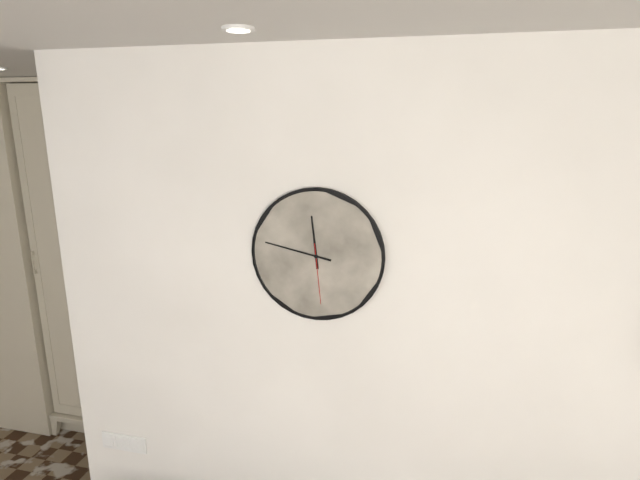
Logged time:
11h47m29s
